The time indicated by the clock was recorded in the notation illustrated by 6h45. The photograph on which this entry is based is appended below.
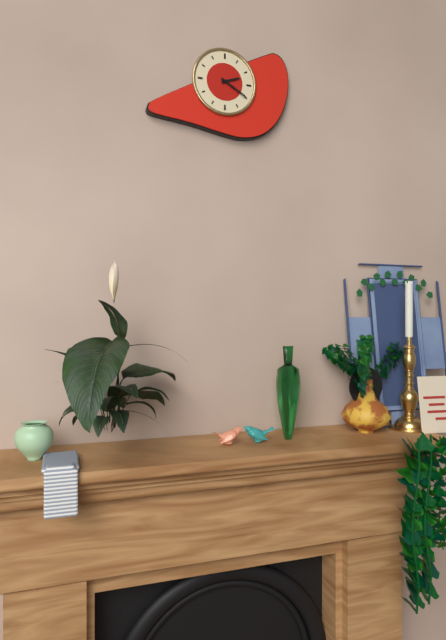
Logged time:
2h20
